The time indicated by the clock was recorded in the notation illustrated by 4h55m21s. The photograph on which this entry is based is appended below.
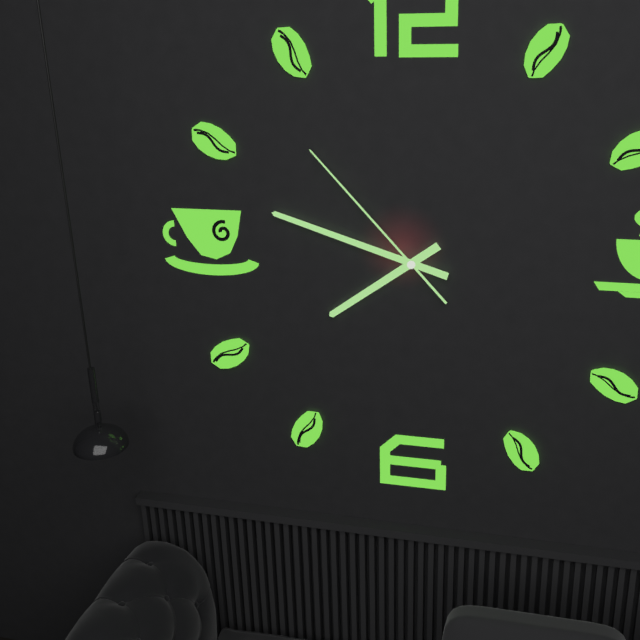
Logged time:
7h48m53s
